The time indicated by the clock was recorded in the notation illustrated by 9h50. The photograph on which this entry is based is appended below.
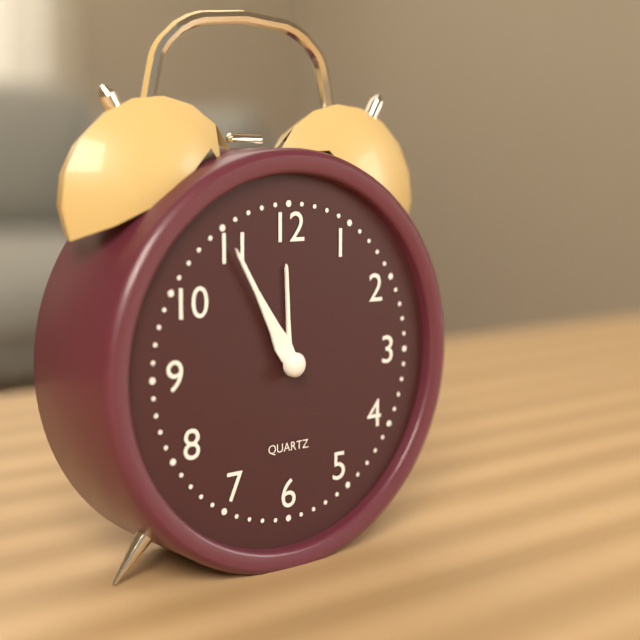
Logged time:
11h55
